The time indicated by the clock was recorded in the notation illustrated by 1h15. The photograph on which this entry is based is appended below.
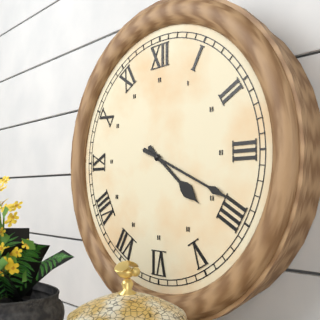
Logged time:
4h19
